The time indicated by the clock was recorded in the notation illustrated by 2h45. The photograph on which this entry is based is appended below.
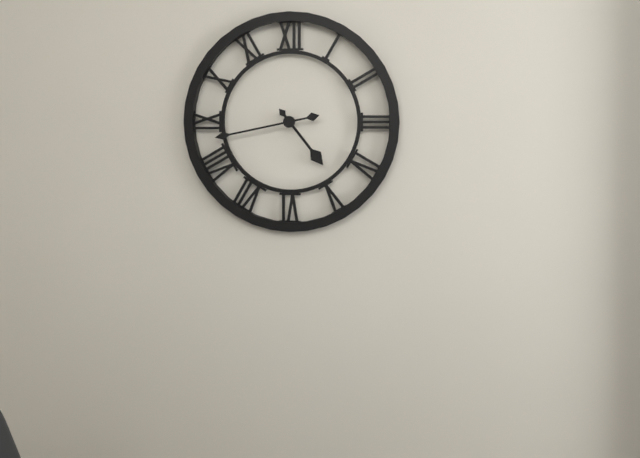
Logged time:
4h43
